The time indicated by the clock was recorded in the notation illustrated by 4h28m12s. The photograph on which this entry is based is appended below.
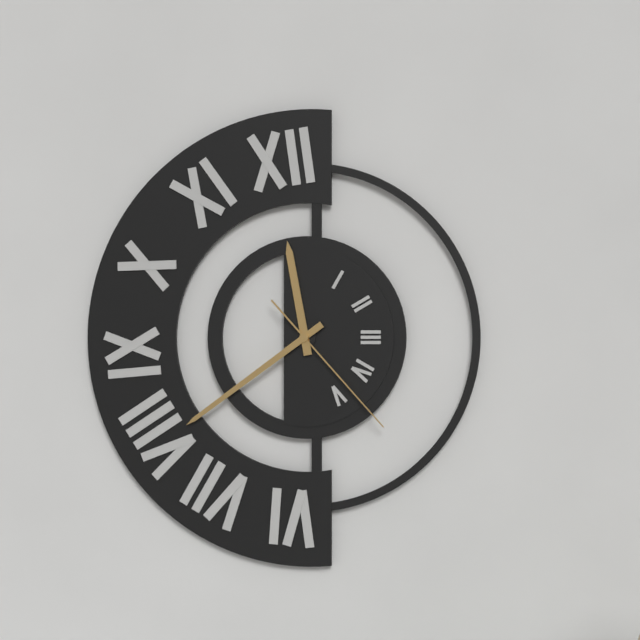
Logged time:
11h39m23s
